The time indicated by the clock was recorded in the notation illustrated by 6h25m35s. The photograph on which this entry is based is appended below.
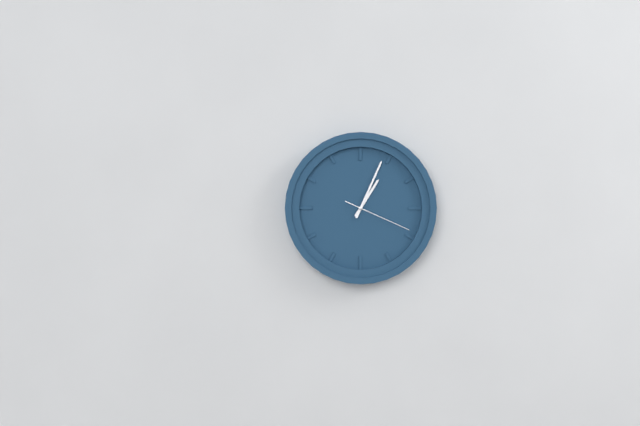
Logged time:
1h04m19s
